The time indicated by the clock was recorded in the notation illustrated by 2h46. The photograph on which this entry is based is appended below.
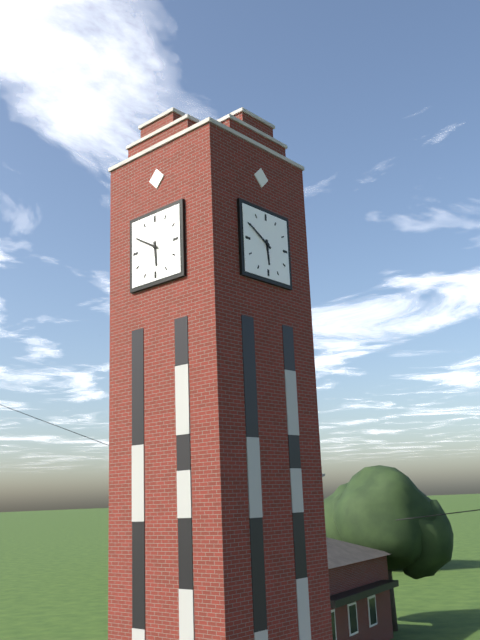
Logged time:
5h50
